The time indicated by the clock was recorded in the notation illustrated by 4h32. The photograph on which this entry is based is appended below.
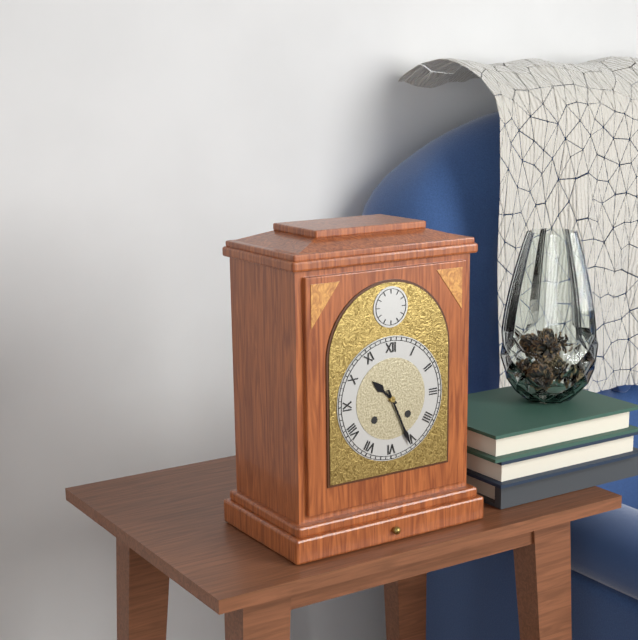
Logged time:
10h26
